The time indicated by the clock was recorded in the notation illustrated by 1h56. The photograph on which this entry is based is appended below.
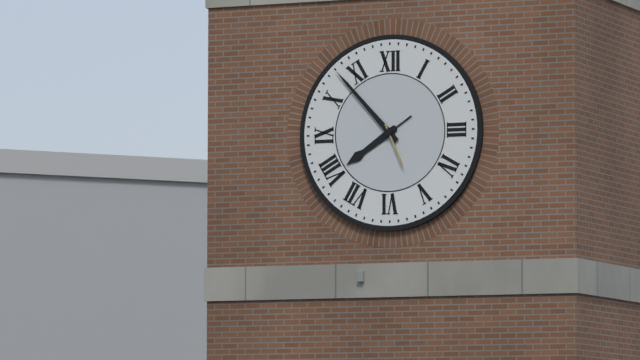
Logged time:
7h53
